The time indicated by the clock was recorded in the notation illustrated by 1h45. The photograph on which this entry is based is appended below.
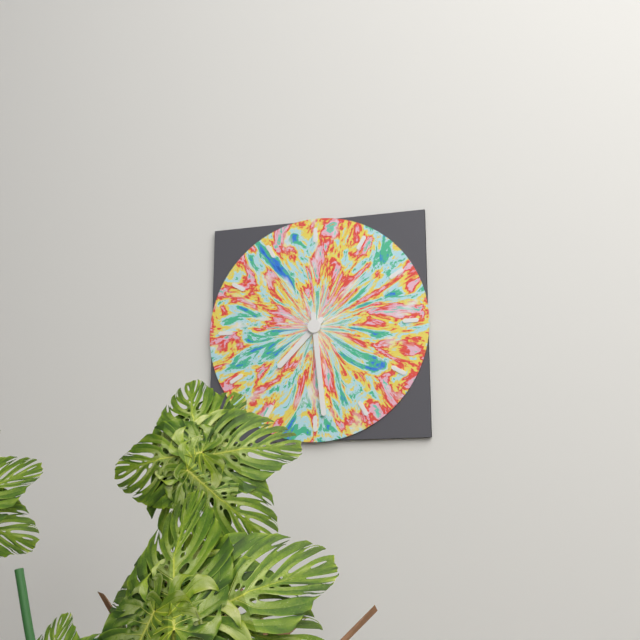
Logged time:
7h29
